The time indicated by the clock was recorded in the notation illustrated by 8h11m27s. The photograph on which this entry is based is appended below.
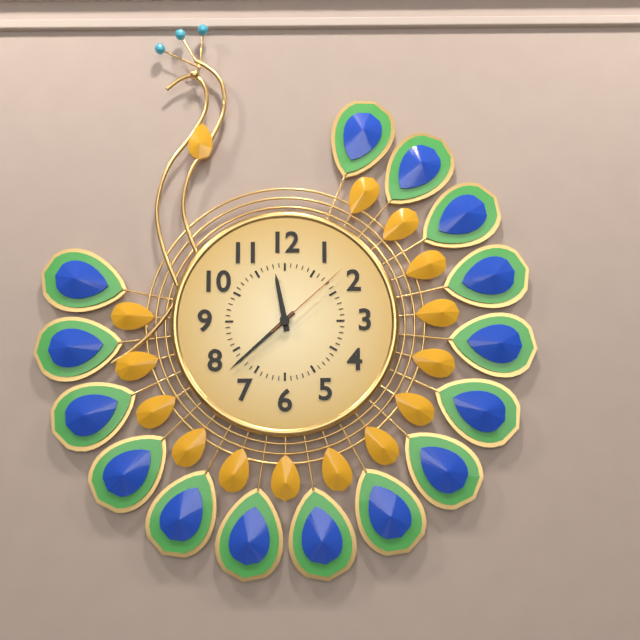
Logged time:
11h38m08s
